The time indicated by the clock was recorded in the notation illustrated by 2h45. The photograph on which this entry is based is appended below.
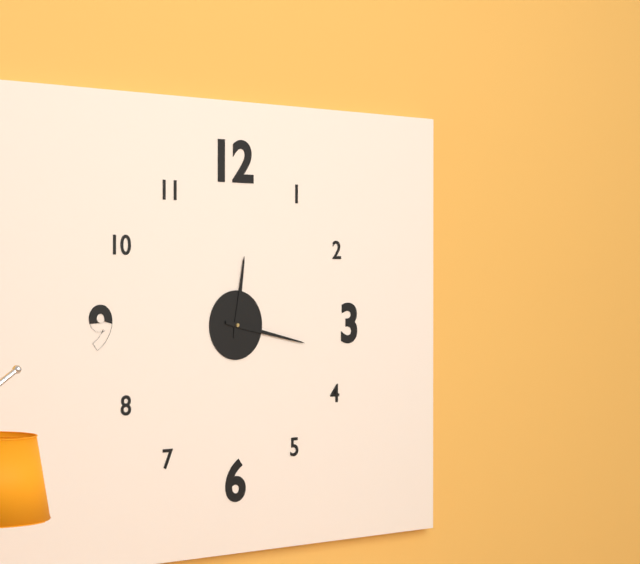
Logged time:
12h17
